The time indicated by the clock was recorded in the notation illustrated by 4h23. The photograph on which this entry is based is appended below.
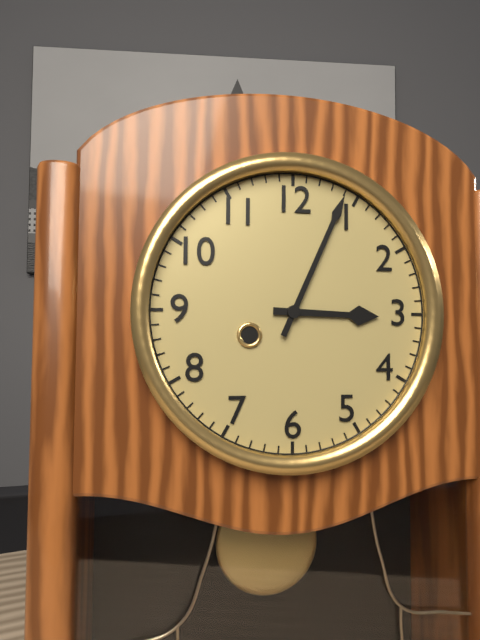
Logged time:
3h04
